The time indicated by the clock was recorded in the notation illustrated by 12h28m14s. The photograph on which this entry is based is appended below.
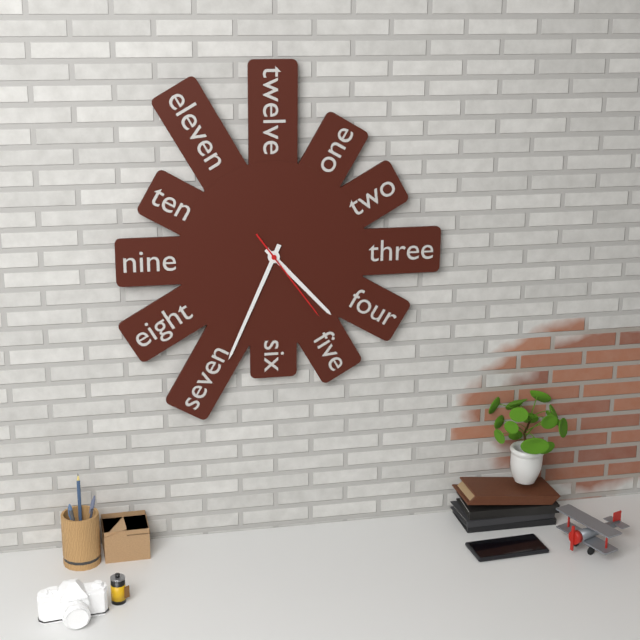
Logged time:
4h34m24s
